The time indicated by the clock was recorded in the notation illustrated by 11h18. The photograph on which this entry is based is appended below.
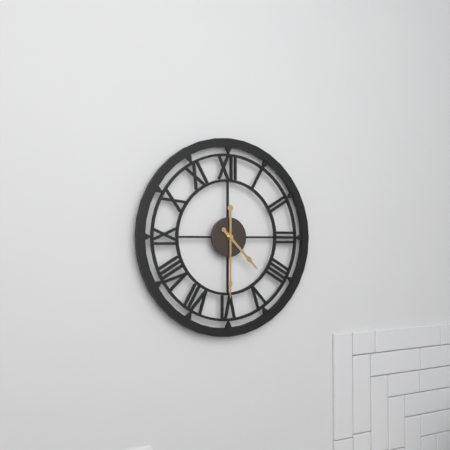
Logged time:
4h30
